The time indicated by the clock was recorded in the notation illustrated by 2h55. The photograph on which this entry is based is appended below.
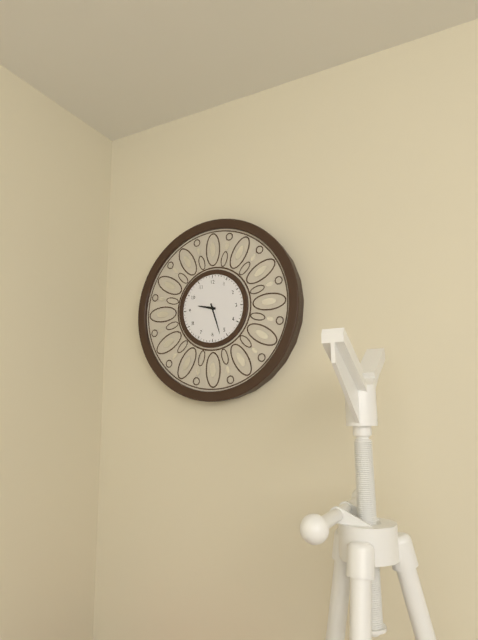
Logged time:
9h27
